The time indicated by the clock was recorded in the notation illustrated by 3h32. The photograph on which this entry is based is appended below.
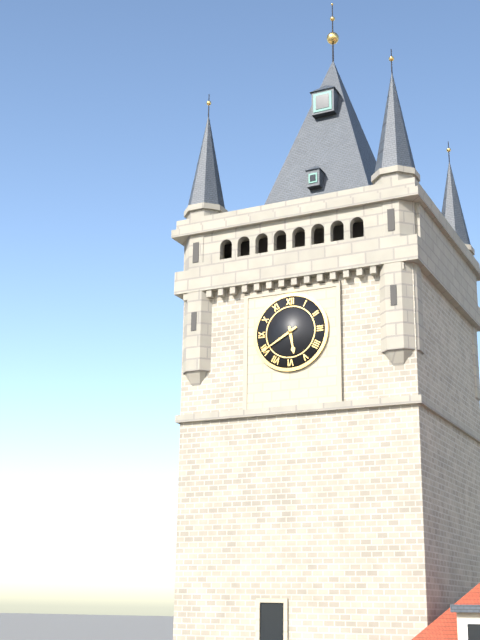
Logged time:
5h40
